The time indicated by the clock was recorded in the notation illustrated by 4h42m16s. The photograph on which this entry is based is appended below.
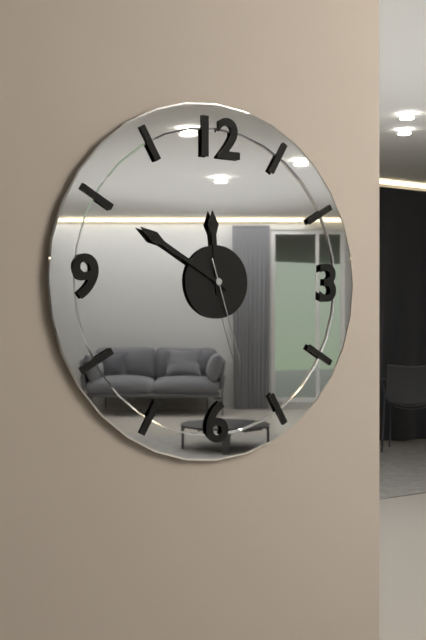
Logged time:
11h50m27s
